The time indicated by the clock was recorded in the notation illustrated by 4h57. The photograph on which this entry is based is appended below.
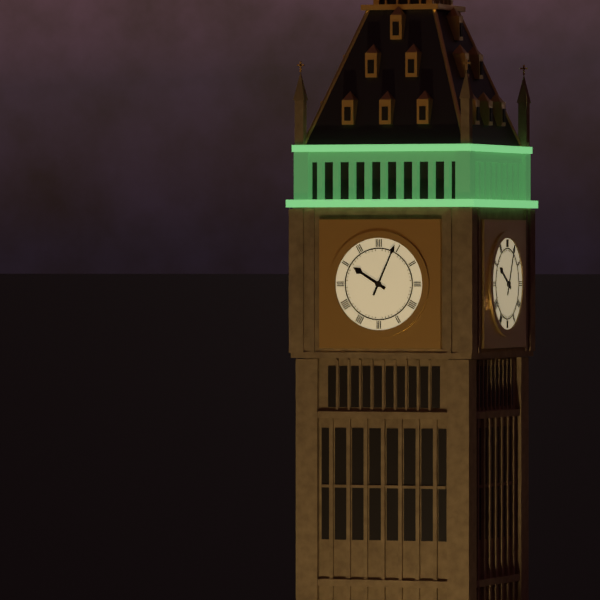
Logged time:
10h04
